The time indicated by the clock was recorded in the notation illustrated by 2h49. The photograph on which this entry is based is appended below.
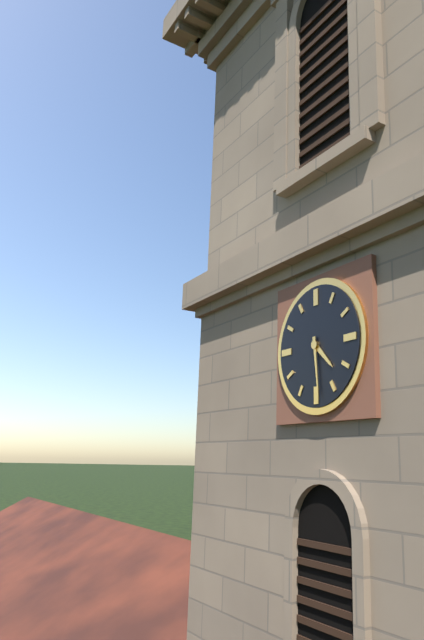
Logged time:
4h29
